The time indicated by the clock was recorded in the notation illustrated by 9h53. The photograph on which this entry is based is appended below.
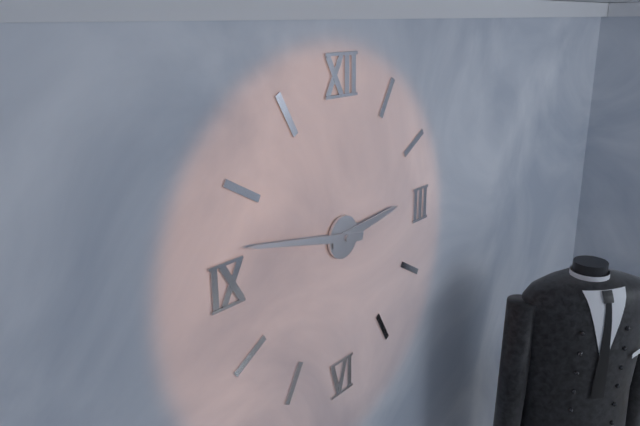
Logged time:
2h47
